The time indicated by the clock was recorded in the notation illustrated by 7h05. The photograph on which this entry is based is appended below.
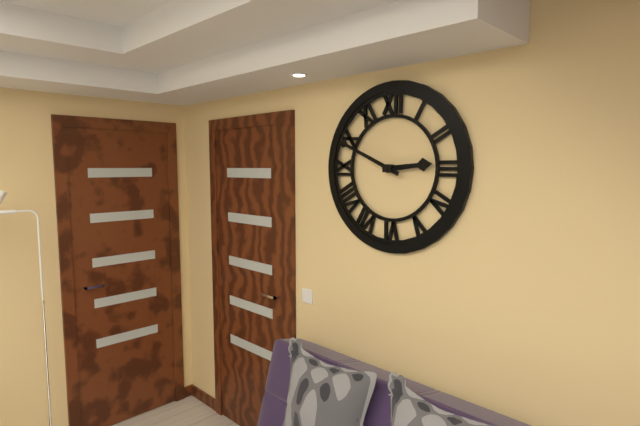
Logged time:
2h49
